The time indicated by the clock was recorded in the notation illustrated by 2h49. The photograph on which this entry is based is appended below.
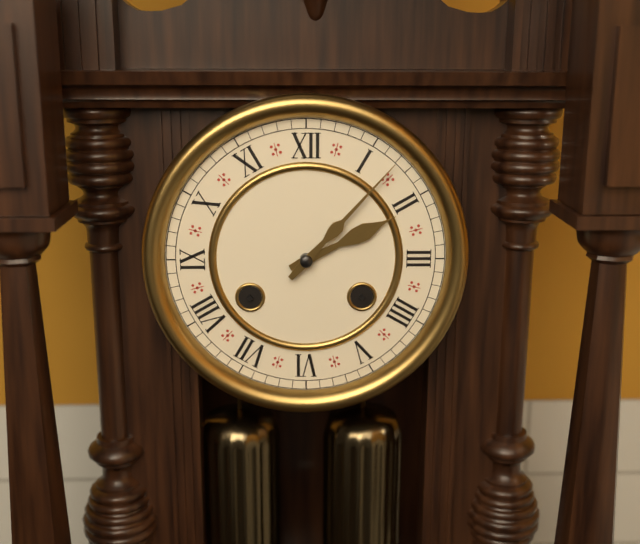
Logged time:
2h07
